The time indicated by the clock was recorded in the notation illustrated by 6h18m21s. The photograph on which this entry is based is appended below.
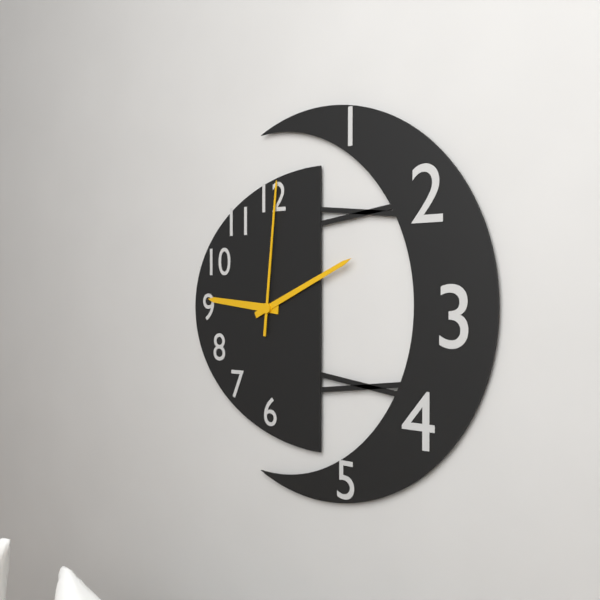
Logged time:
9h11m01s
